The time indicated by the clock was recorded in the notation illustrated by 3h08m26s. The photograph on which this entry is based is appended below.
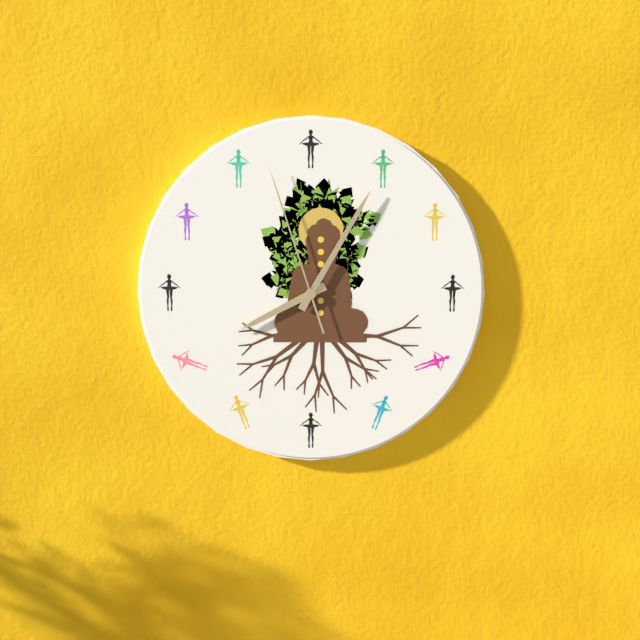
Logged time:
8h05m57s
